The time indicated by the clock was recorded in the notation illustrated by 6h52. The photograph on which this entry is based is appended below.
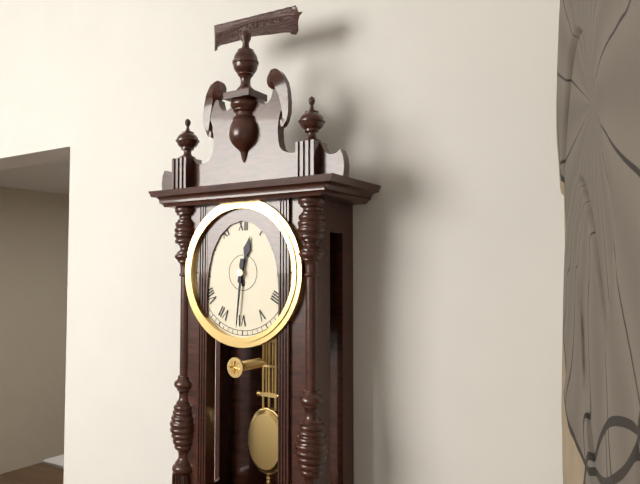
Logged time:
12h31
